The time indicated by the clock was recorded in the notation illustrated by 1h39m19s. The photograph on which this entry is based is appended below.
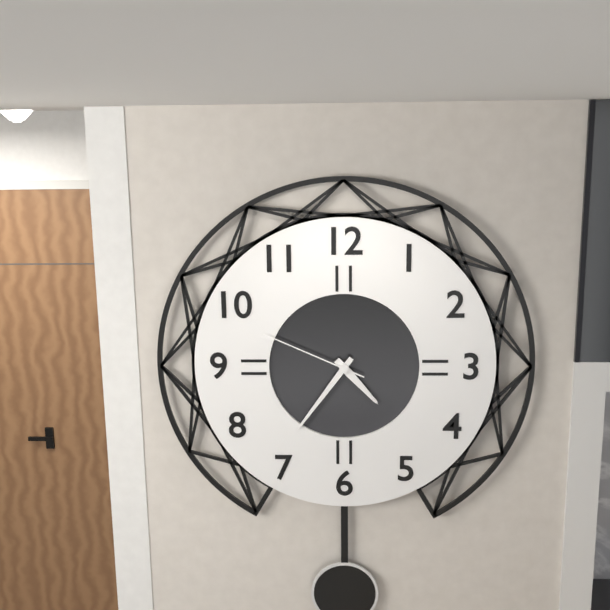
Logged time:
4h36m49s
